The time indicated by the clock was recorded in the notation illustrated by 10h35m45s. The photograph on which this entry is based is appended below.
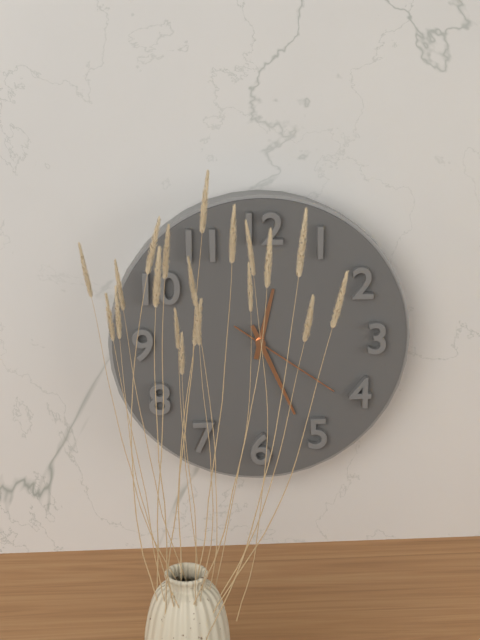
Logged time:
12h26m21s
